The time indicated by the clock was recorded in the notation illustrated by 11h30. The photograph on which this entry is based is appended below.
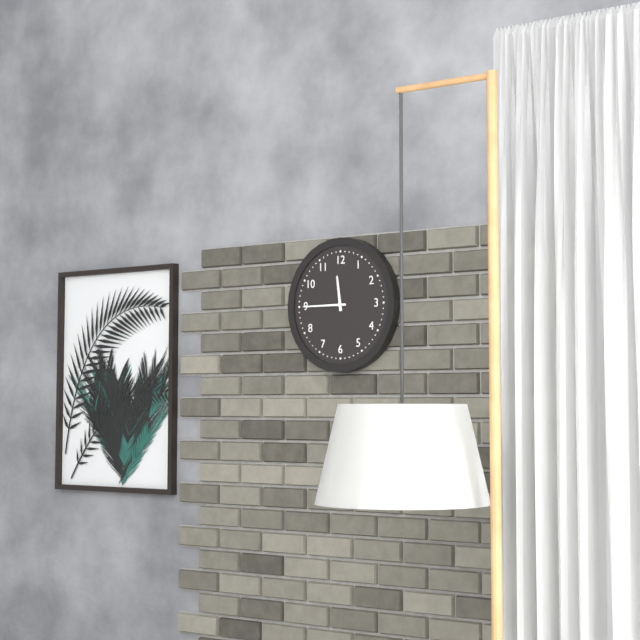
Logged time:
11h45
